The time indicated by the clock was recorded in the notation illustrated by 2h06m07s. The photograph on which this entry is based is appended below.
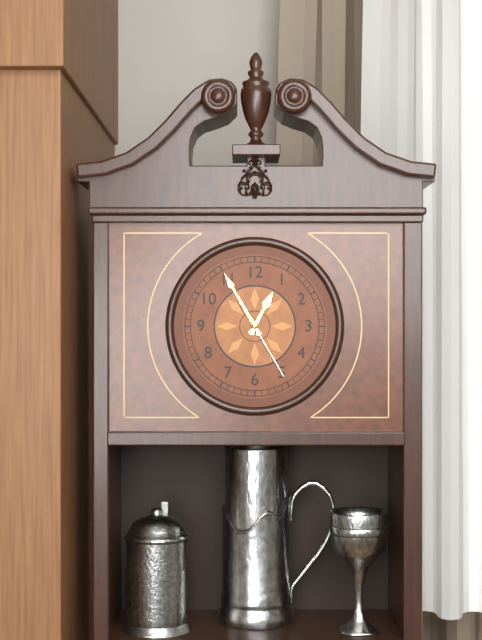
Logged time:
12h55m25s
